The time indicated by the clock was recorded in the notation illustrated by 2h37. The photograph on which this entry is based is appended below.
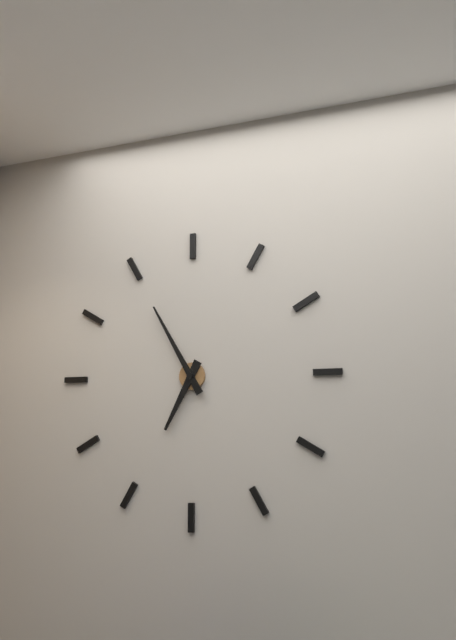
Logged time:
6h55
